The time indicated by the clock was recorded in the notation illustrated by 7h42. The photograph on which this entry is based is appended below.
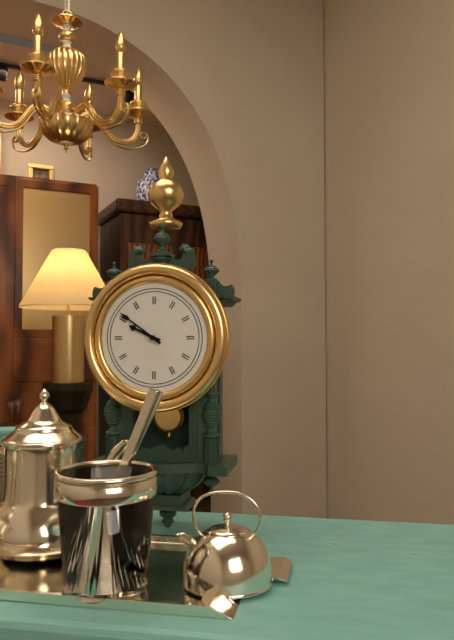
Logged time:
9h51
